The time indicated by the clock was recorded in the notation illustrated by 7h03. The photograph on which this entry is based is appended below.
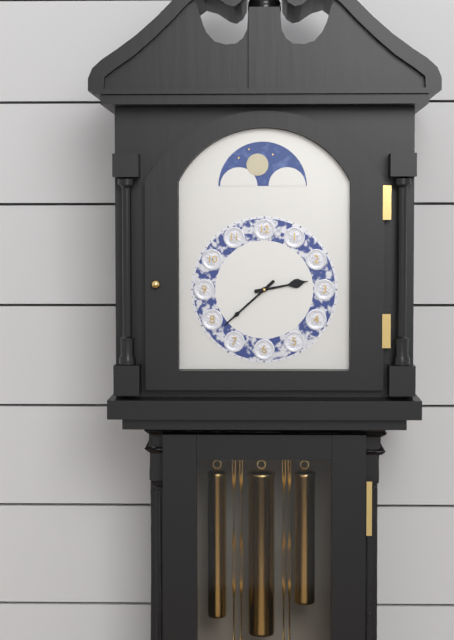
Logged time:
2h38
